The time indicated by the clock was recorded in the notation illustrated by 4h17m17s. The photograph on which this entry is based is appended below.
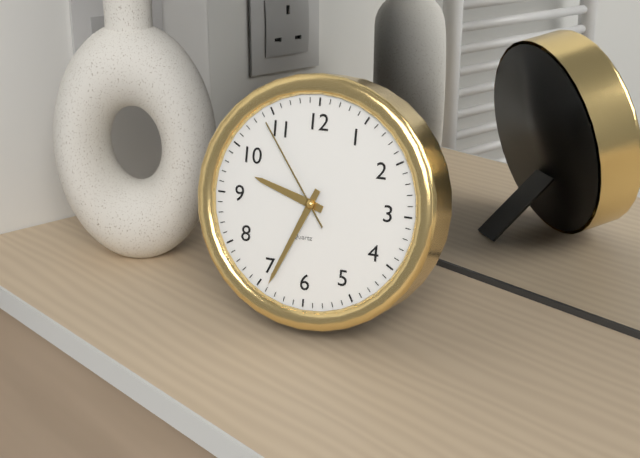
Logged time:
9h34m54s
